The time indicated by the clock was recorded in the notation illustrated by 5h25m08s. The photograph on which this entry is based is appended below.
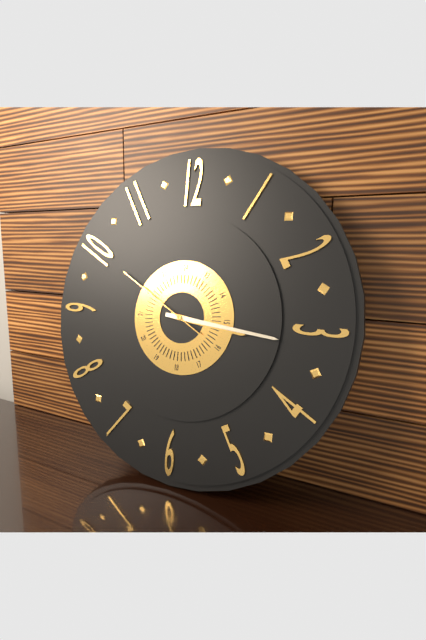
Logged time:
3h16m50s
